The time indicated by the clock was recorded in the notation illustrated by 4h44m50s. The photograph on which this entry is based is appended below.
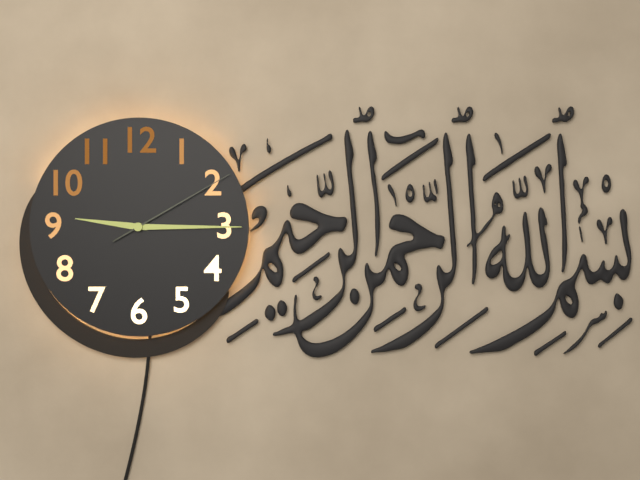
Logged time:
9h15m10s
